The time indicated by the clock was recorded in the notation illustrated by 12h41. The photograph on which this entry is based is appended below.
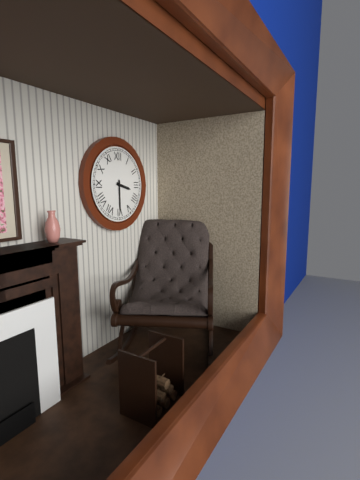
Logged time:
3h30
